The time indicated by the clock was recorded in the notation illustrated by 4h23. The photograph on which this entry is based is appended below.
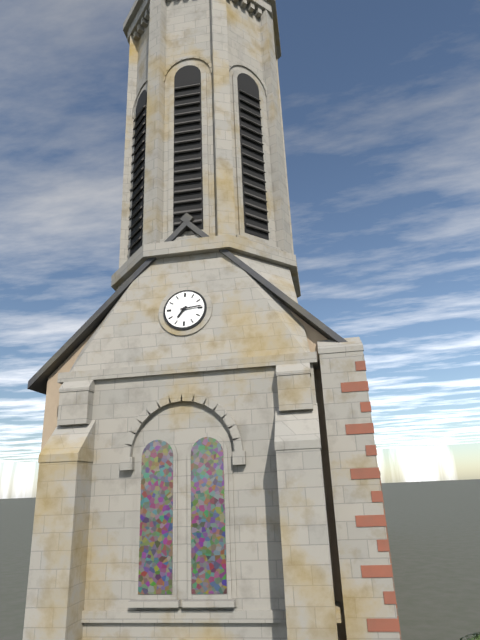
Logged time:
7h14
